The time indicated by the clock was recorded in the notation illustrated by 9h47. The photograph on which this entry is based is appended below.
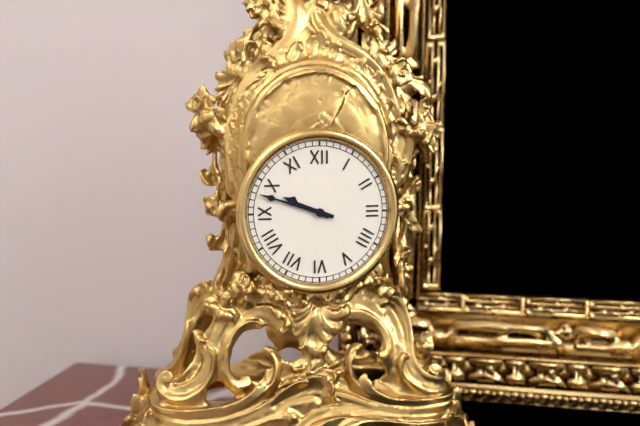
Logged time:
9h48
